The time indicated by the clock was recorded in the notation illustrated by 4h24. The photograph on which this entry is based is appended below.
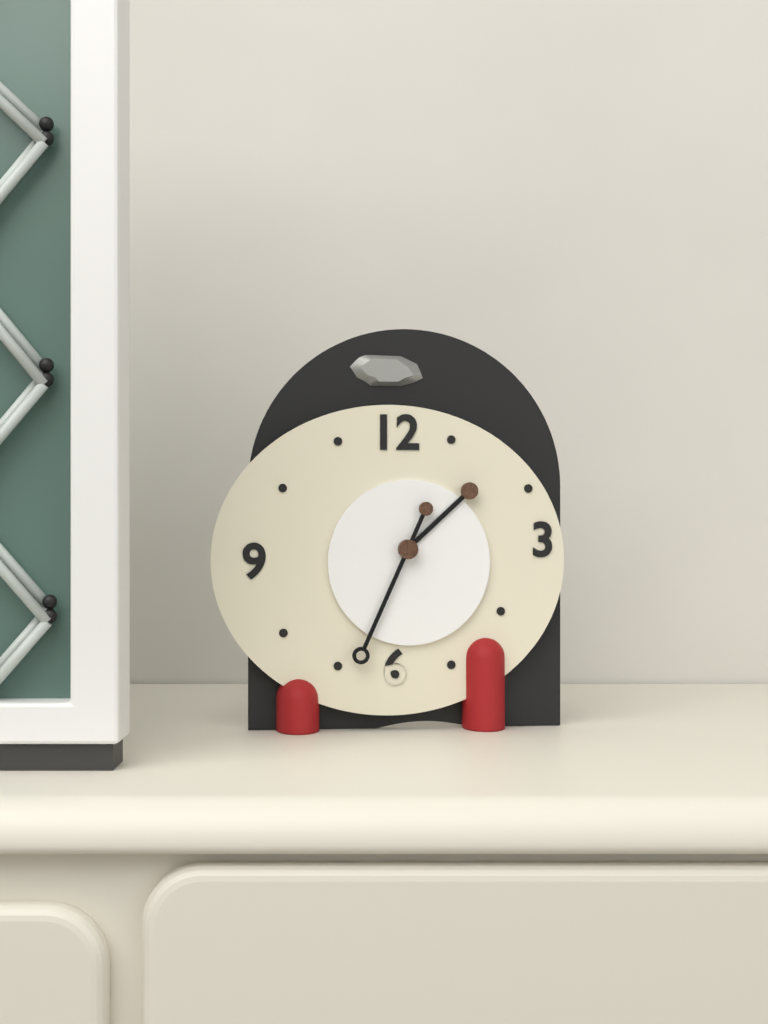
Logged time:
1h34
